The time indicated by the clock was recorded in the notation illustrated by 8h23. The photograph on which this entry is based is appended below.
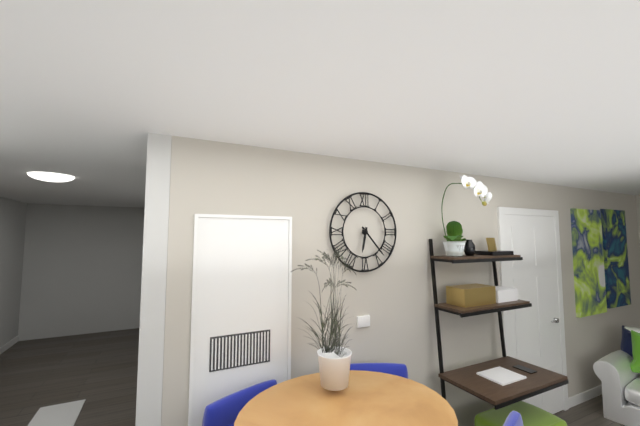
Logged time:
6h23
